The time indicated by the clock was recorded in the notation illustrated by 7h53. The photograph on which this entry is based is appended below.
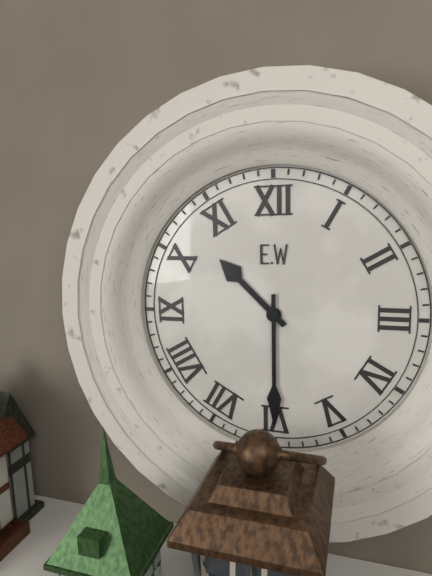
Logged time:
10h30
